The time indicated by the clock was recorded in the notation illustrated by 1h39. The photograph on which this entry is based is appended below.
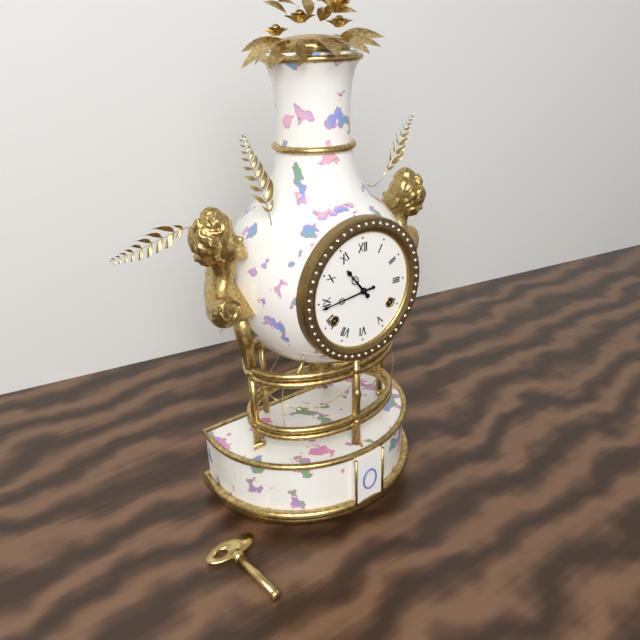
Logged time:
10h44
